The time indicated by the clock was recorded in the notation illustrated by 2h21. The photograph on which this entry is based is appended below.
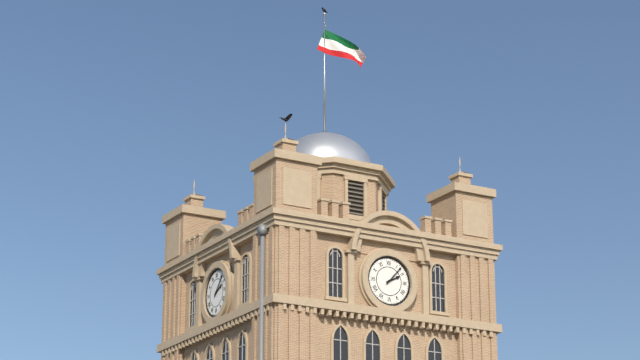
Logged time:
2h07
